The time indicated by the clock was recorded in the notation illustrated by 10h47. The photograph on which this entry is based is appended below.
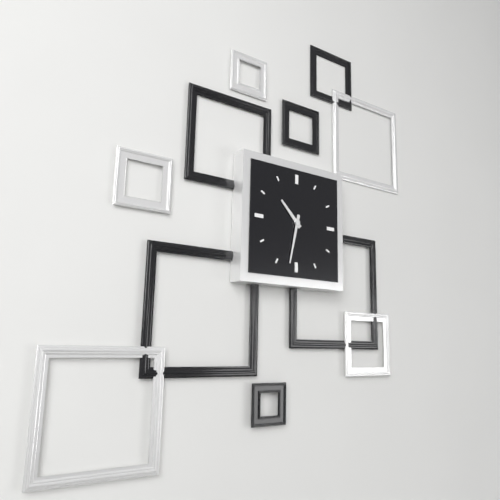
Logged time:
10h32
